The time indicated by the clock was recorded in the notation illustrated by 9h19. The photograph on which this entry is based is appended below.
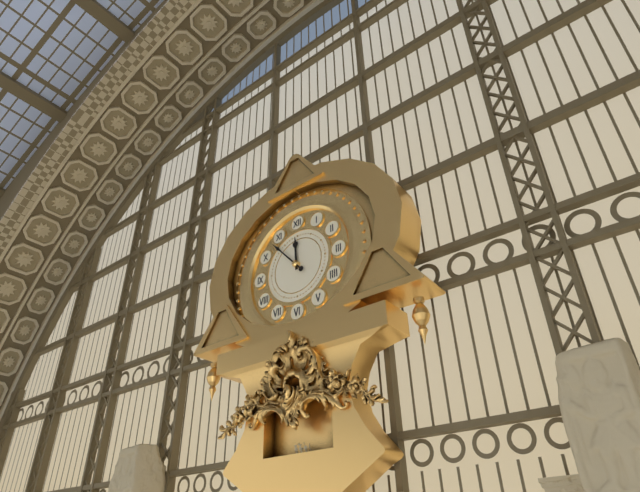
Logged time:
11h53
